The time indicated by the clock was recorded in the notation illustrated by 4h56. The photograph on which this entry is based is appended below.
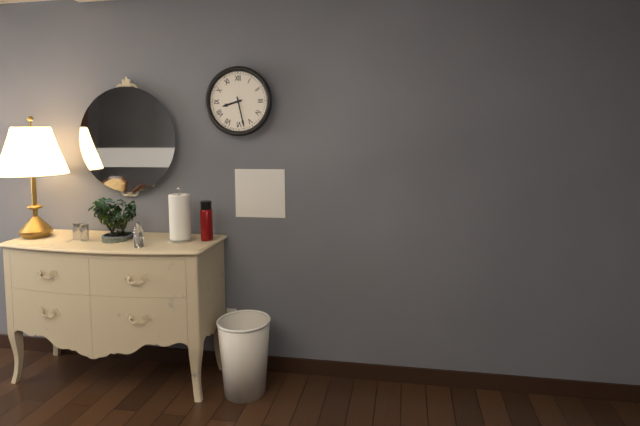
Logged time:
8h28
